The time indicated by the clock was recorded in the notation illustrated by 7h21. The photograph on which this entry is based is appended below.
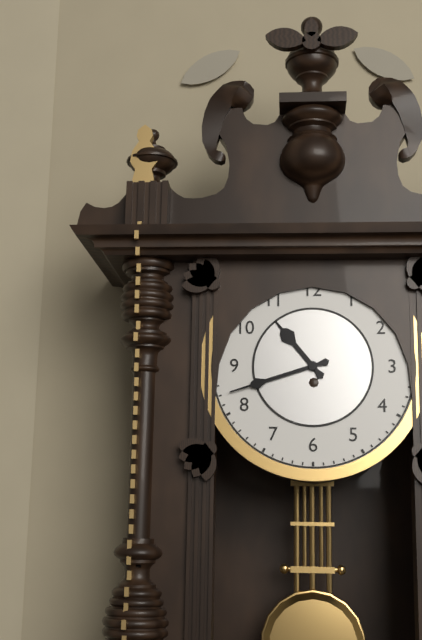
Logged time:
10h42
